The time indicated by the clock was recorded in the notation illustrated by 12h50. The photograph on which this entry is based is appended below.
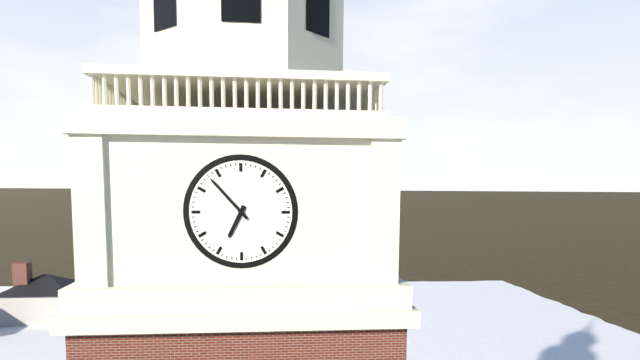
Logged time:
6h53
